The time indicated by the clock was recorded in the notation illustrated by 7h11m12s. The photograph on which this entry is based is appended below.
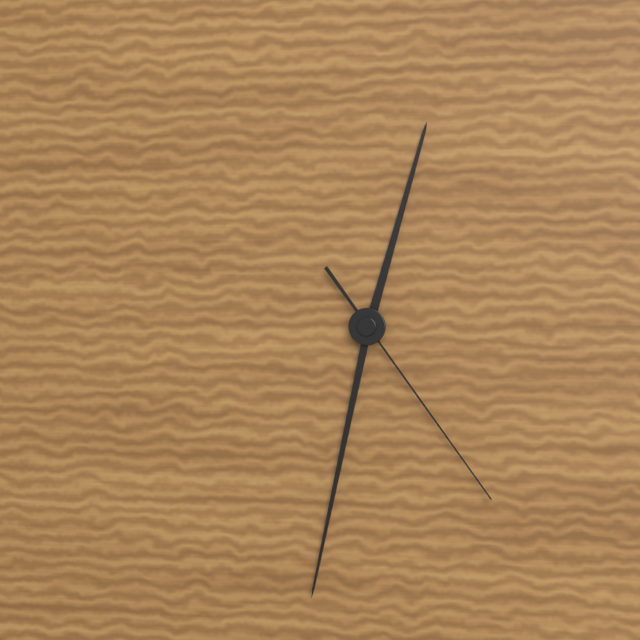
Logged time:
12h32m24s
